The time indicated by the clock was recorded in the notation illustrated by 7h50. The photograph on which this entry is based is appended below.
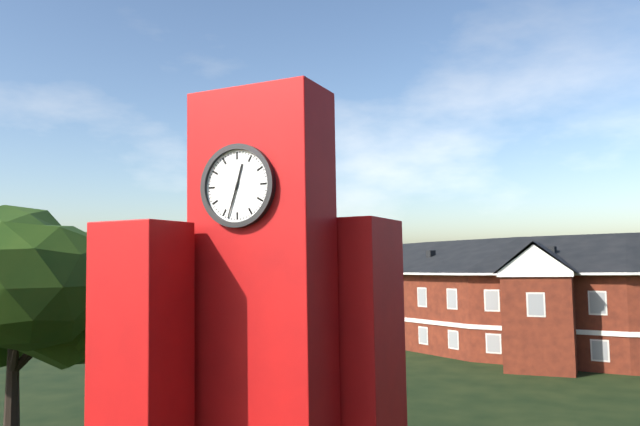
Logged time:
12h33
